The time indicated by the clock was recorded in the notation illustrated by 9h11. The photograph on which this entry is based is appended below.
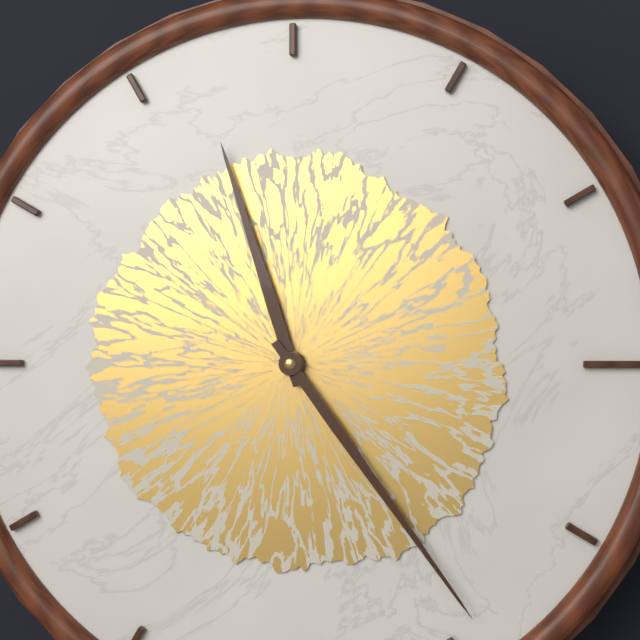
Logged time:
11h24
